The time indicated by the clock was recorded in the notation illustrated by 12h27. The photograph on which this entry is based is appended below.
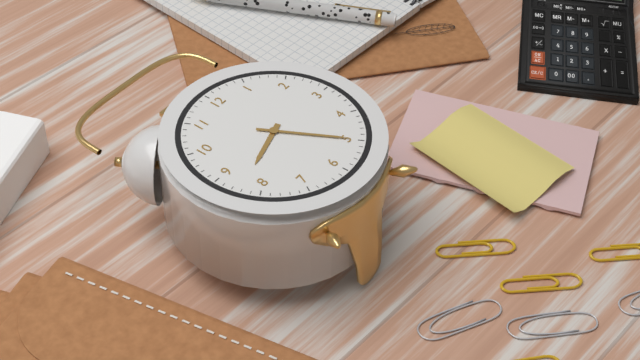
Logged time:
8h25
